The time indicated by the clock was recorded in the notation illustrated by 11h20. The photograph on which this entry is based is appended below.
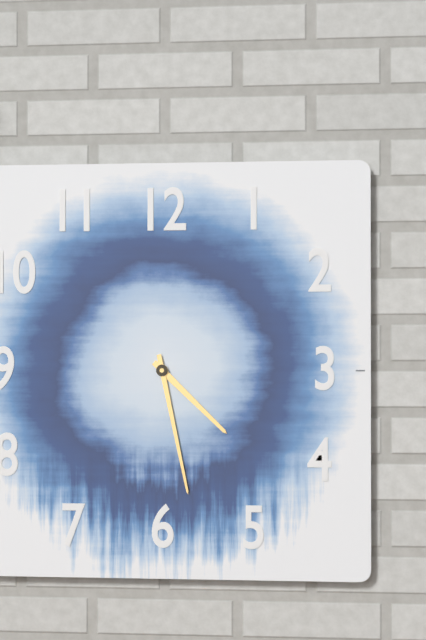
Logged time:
4h28
